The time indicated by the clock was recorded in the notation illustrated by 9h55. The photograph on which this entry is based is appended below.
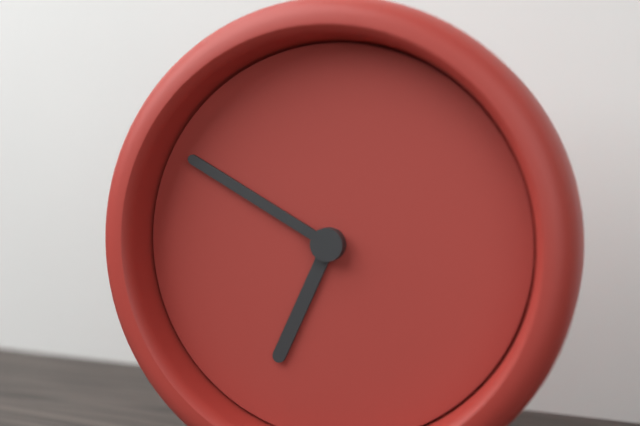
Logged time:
6h50
